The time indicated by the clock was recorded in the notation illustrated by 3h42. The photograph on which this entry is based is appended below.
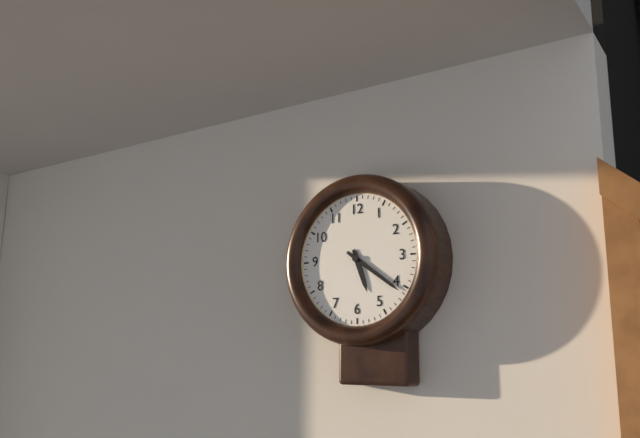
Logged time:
5h21
